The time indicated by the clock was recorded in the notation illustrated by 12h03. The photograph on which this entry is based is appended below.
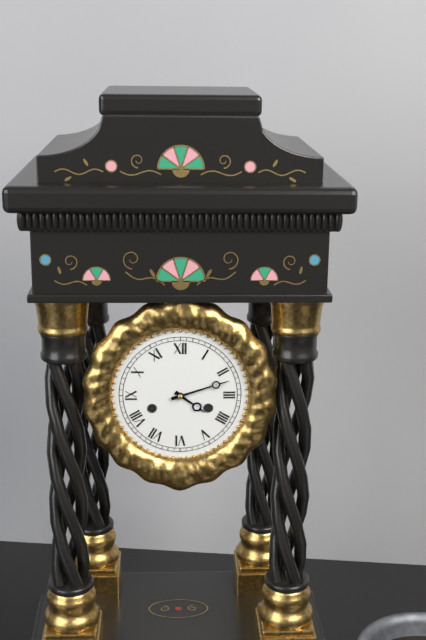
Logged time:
4h12
